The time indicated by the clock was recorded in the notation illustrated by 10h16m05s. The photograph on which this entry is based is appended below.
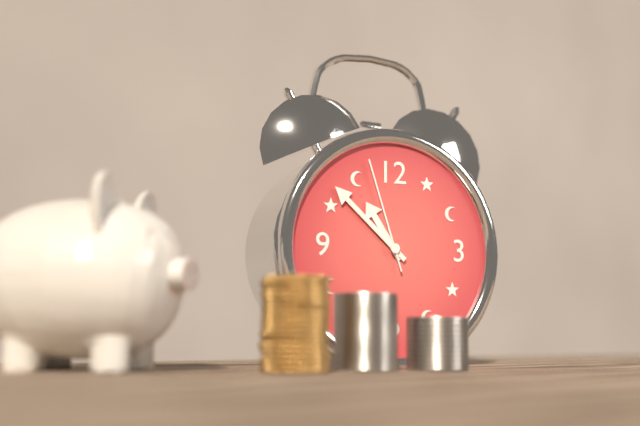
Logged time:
10h52m57s
